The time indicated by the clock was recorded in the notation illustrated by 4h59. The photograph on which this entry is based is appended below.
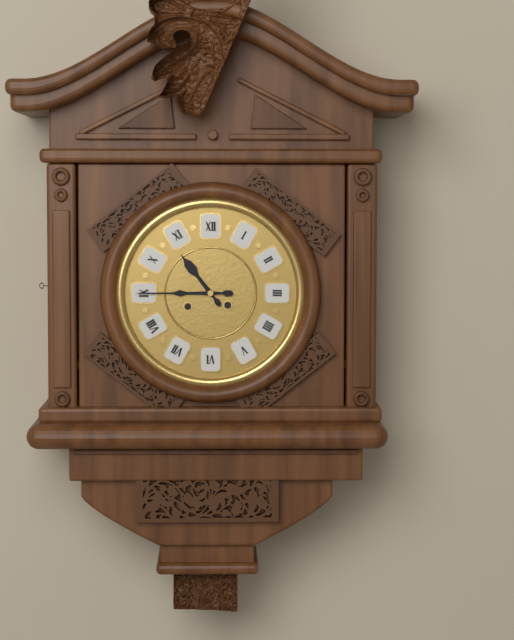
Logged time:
10h45
